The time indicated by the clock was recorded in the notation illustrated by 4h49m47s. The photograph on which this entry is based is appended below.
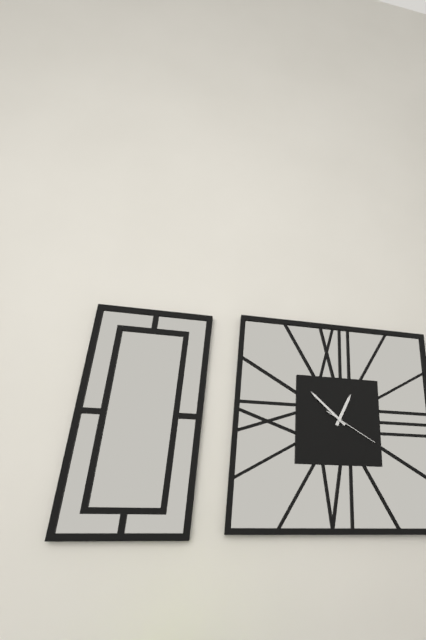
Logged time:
12h52m20s
